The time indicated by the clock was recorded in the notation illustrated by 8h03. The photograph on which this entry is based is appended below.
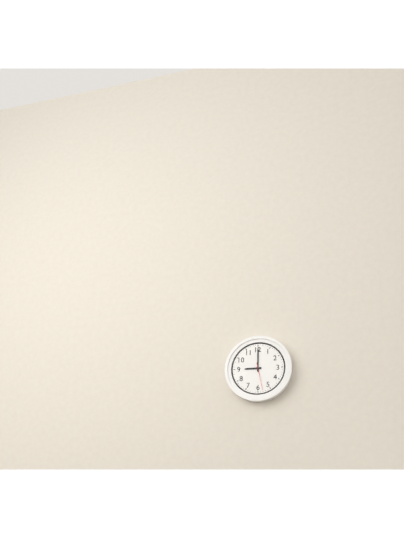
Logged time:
9h00
